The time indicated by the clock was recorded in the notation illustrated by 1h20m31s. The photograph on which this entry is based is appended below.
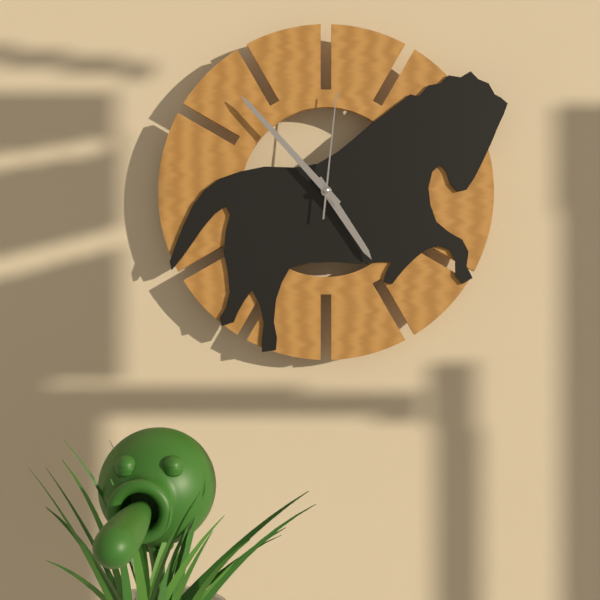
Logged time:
4h53m01s
